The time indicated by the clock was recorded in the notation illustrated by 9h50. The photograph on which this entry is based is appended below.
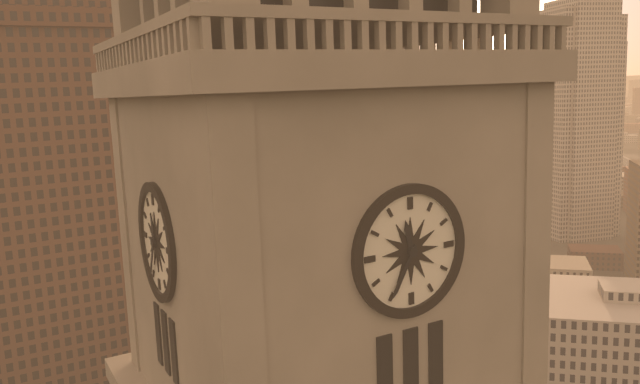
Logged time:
11h35
